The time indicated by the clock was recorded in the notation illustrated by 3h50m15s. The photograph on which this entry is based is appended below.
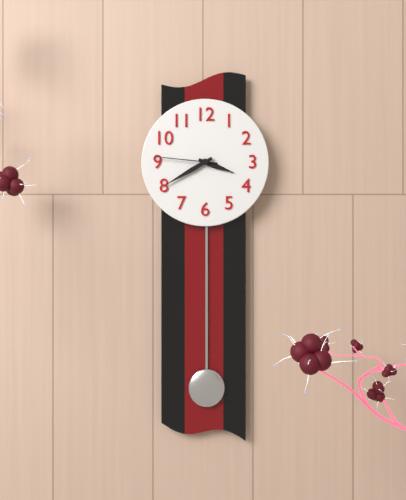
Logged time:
3h40m46s
